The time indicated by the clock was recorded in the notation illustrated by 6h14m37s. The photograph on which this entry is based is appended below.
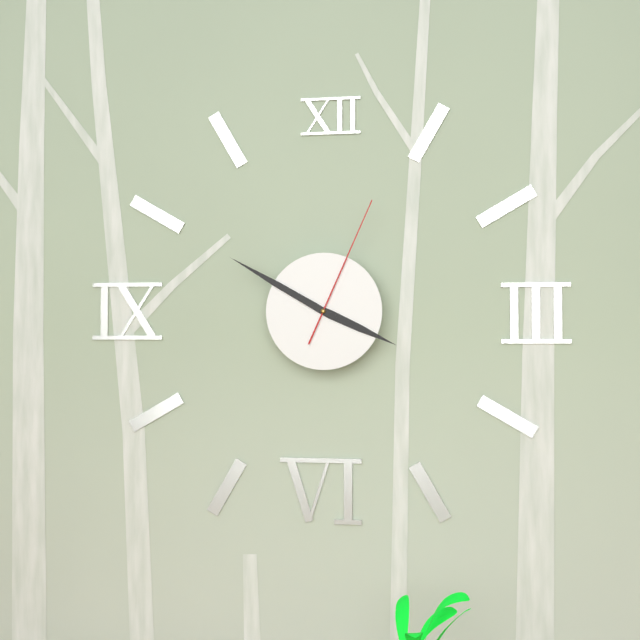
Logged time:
3h50m04s
